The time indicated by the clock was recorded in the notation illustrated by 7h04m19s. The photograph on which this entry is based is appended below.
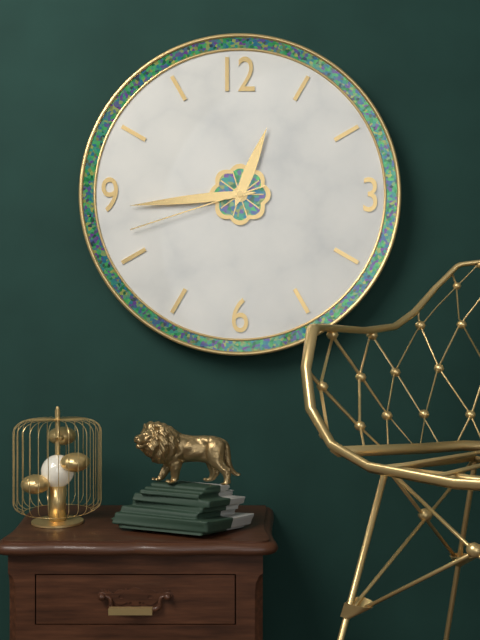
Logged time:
12h44m42s
